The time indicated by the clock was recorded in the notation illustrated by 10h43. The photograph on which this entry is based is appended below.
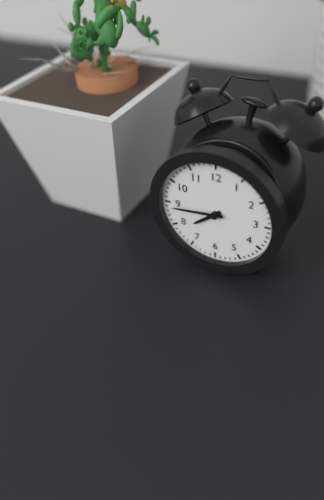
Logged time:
7h44
